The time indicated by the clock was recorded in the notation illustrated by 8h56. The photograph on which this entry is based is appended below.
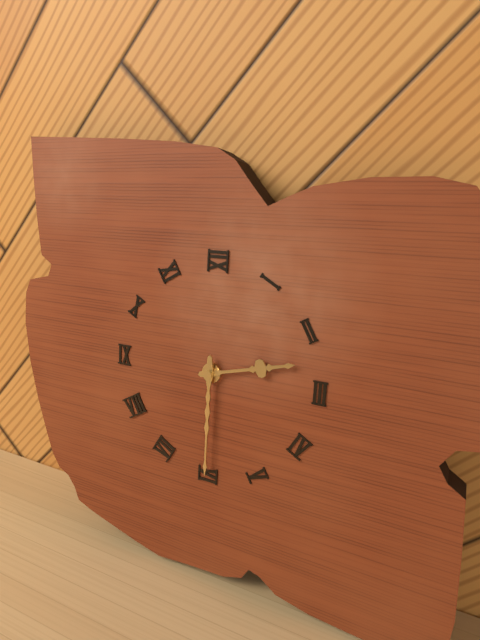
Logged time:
2h30
